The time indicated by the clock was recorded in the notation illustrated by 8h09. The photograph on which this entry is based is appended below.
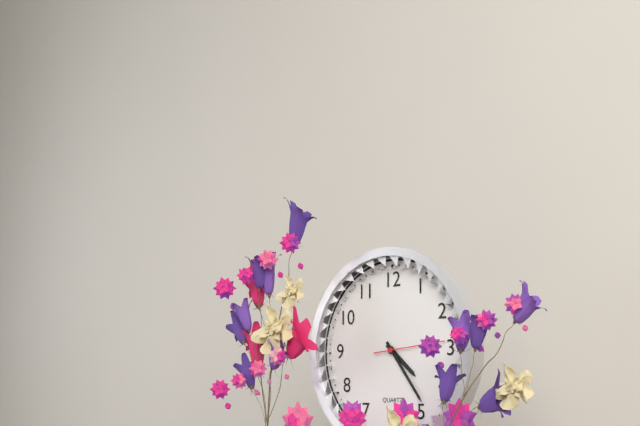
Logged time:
4h24
